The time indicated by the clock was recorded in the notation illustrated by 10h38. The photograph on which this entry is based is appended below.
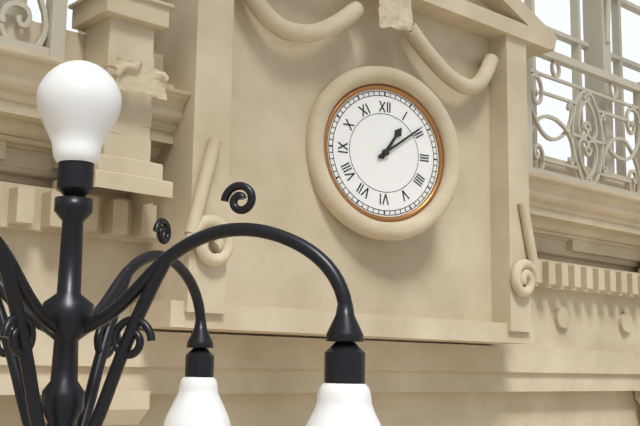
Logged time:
1h09
